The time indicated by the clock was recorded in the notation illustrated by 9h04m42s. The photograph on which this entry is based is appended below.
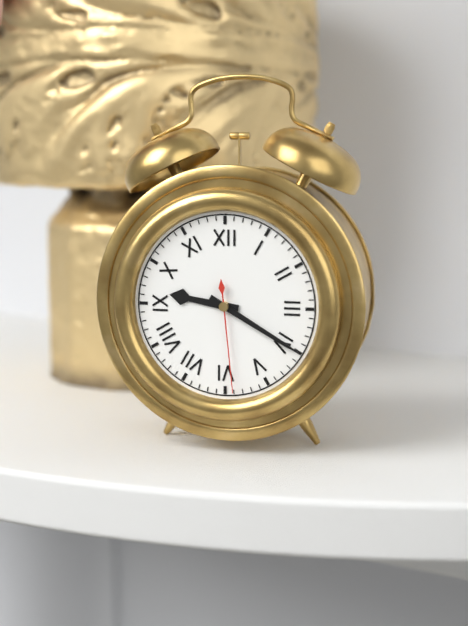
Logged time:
9h20m29s
